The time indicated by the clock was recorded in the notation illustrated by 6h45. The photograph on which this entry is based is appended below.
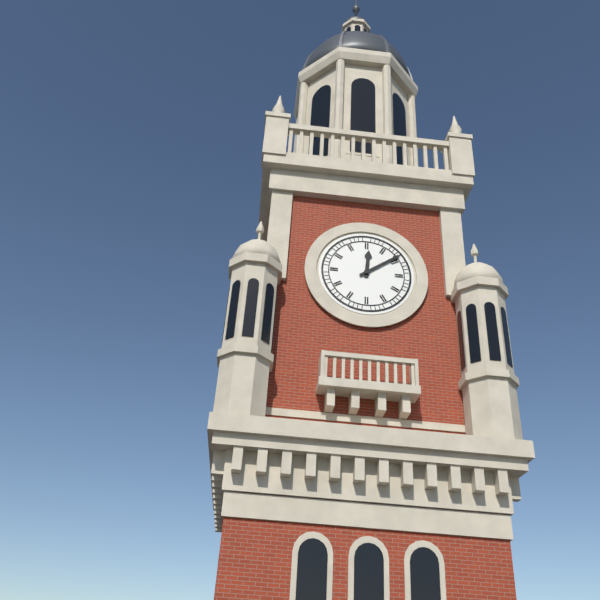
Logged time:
12h09
